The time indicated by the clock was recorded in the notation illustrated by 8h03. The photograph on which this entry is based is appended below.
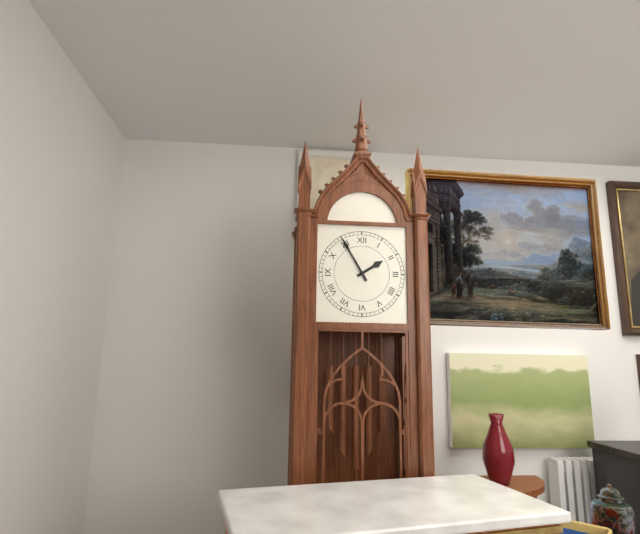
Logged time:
1h55
